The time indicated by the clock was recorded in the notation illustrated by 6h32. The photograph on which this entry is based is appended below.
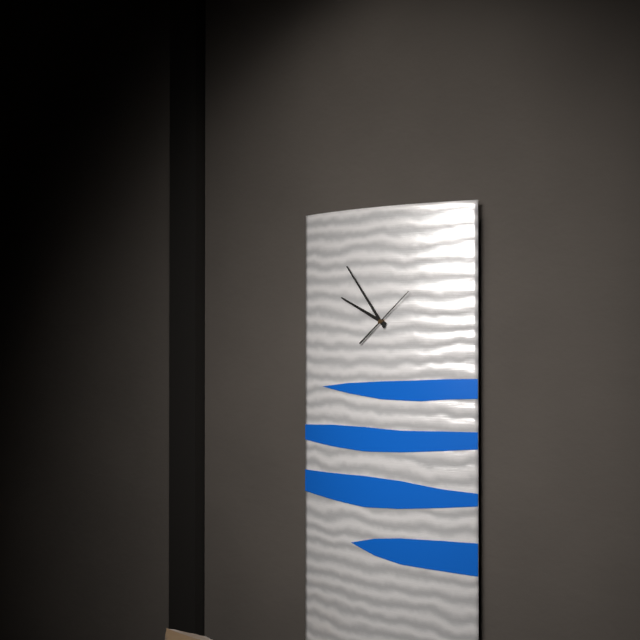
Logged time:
9h54
